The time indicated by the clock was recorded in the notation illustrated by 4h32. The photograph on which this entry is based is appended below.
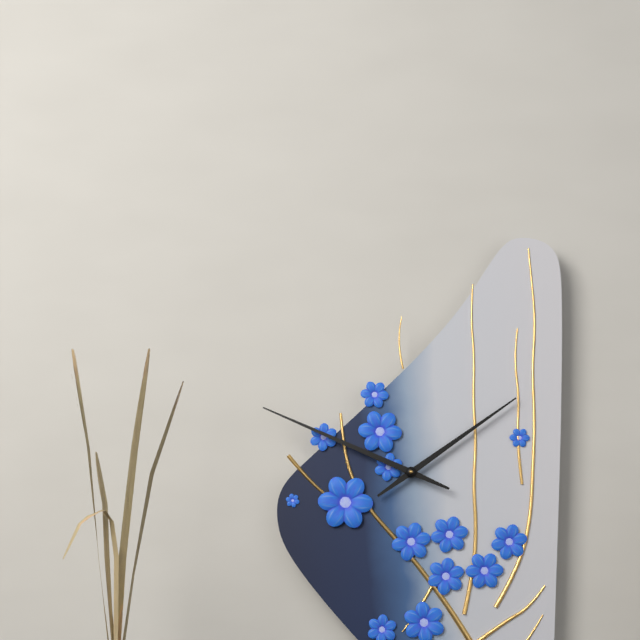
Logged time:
1h49
